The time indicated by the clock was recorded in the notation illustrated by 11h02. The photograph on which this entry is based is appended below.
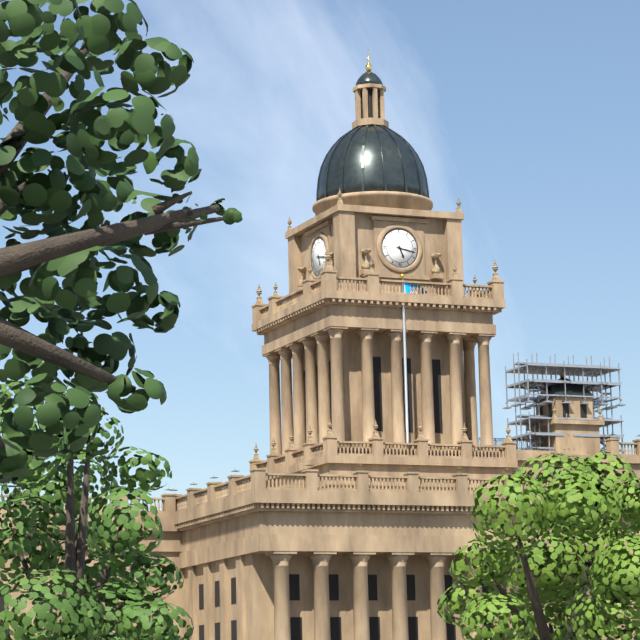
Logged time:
5h17
